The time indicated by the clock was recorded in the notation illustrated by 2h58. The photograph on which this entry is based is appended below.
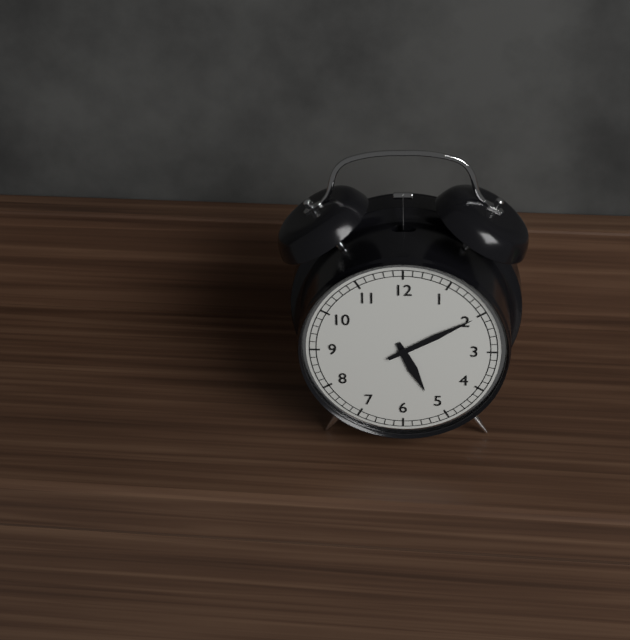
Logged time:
5h10
